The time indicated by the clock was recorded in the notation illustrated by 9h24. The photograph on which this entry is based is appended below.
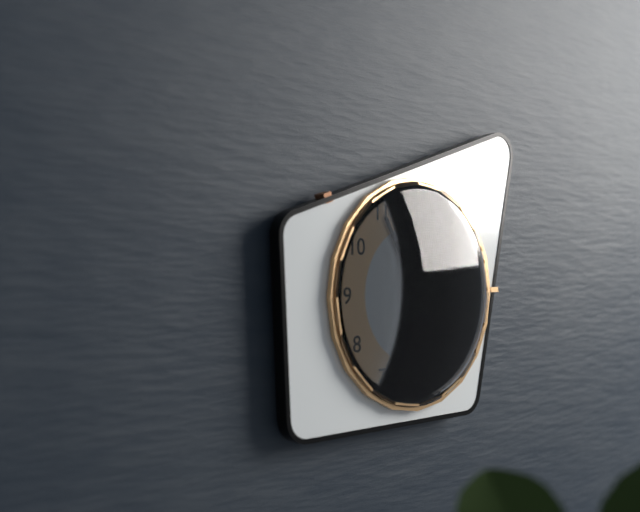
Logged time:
3h55
